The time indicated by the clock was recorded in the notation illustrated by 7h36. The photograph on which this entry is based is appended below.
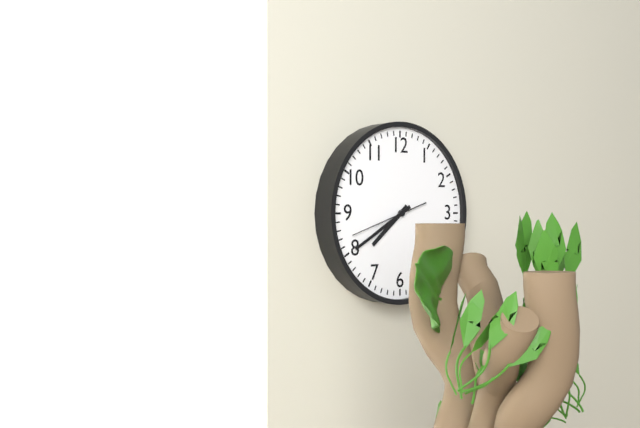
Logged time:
7h40
